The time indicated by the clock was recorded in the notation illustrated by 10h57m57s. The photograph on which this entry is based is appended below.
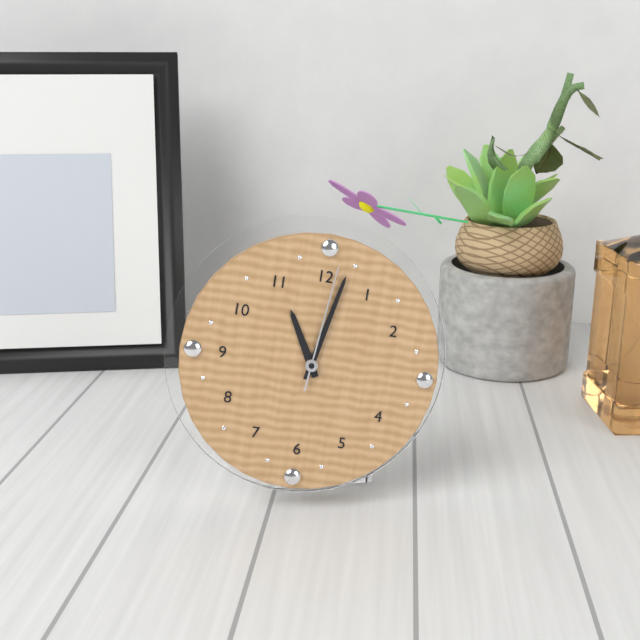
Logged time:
11h02m01s
